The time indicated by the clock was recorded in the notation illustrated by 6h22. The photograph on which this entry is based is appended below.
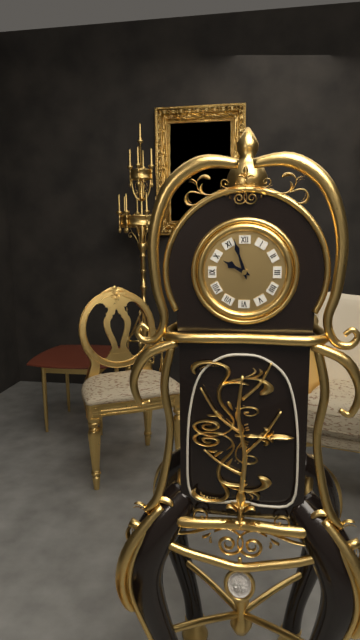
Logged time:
9h57
